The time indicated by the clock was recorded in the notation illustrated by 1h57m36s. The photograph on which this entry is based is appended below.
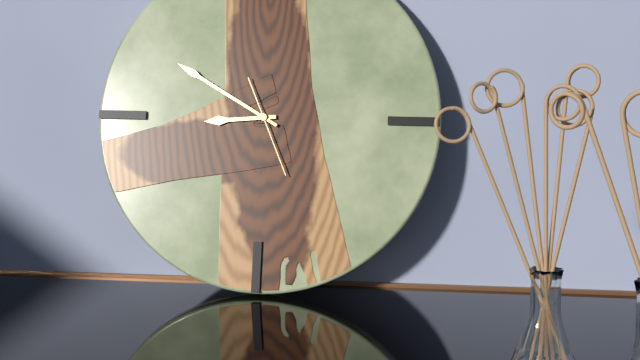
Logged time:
8h50m26s
